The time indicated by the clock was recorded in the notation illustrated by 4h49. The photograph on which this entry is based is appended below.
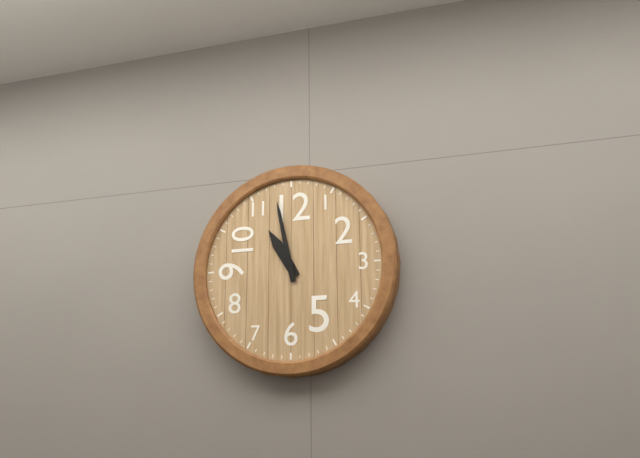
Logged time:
10h58
